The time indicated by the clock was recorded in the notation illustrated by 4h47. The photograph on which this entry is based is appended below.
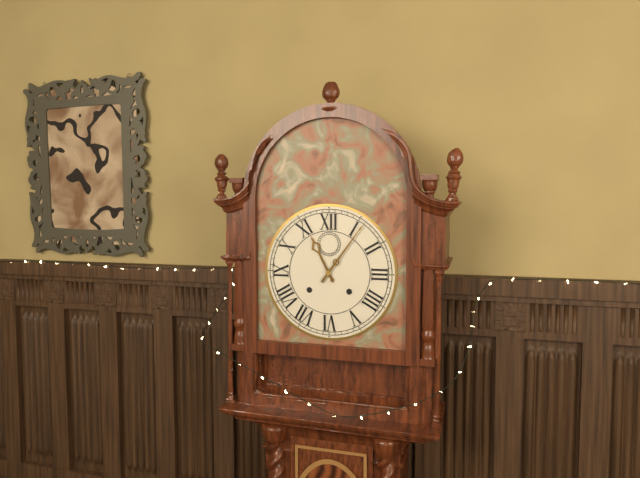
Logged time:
11h06
